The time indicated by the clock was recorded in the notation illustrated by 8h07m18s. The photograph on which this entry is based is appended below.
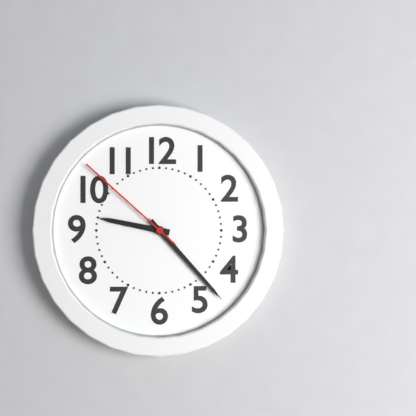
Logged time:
9h23m52s
